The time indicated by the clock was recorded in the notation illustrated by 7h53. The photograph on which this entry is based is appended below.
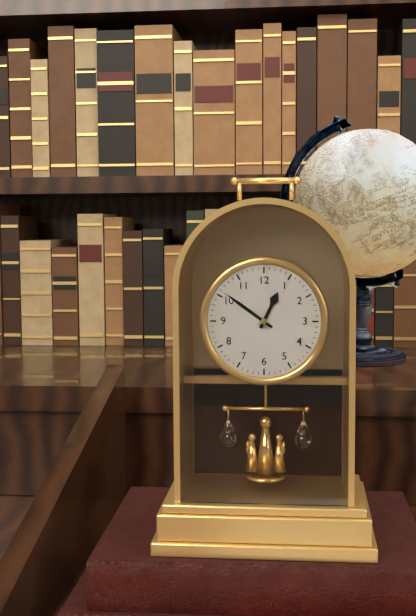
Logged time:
12h51
